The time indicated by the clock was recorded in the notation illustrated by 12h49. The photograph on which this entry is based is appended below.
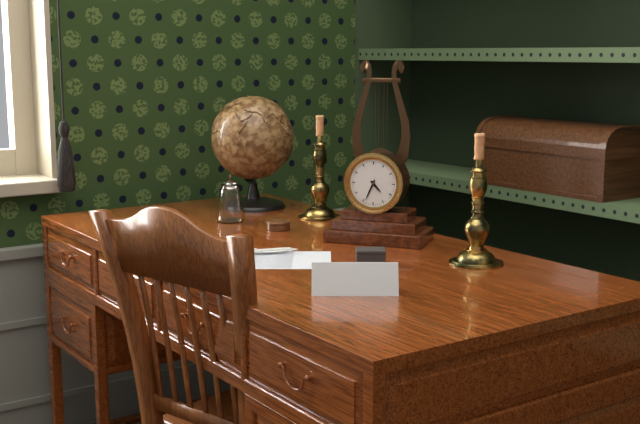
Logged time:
4h34
